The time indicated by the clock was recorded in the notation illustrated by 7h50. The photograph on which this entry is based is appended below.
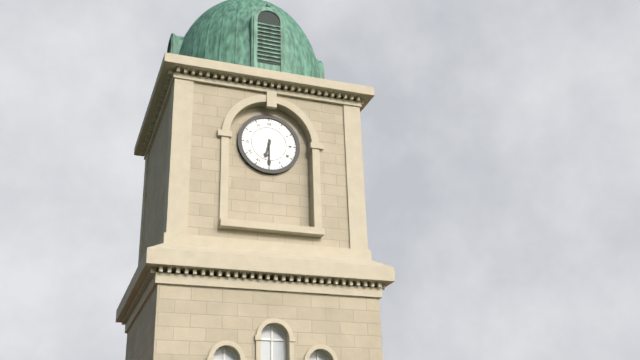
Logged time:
6h30
